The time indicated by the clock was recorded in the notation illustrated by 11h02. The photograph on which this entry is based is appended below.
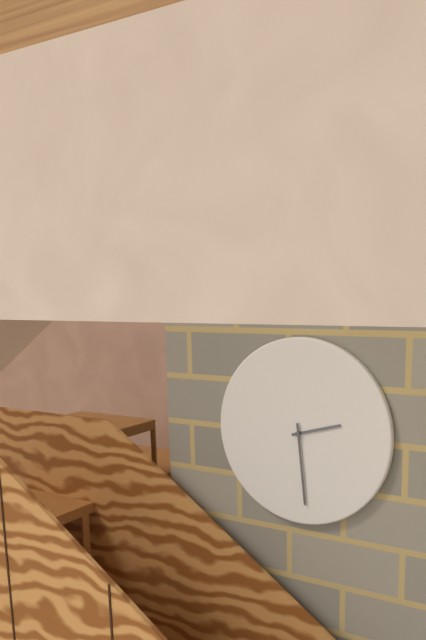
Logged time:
2h29
